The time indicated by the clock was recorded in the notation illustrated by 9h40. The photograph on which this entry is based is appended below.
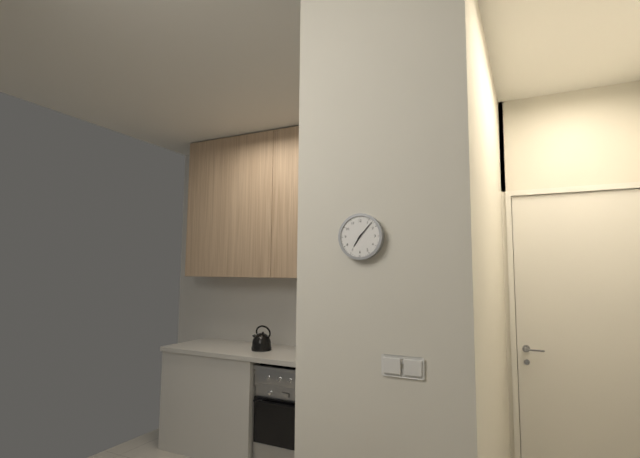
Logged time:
7h07
